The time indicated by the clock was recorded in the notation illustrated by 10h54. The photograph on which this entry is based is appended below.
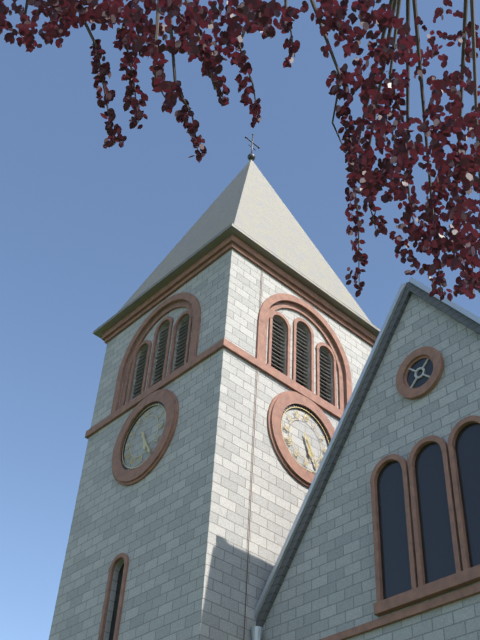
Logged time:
5h25
